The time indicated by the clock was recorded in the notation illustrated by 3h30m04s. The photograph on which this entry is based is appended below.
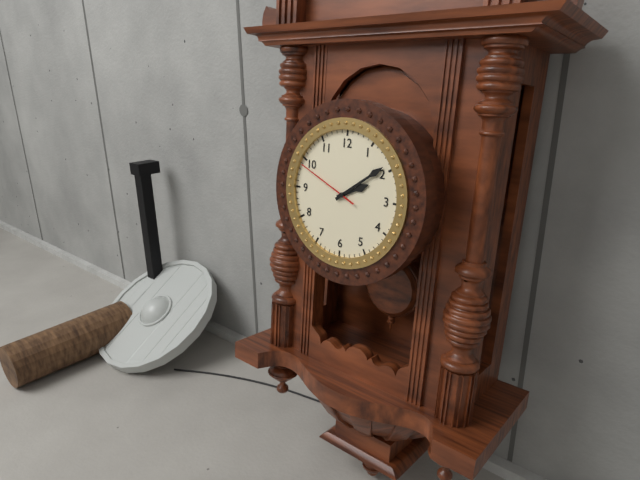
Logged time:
2h09m49s
